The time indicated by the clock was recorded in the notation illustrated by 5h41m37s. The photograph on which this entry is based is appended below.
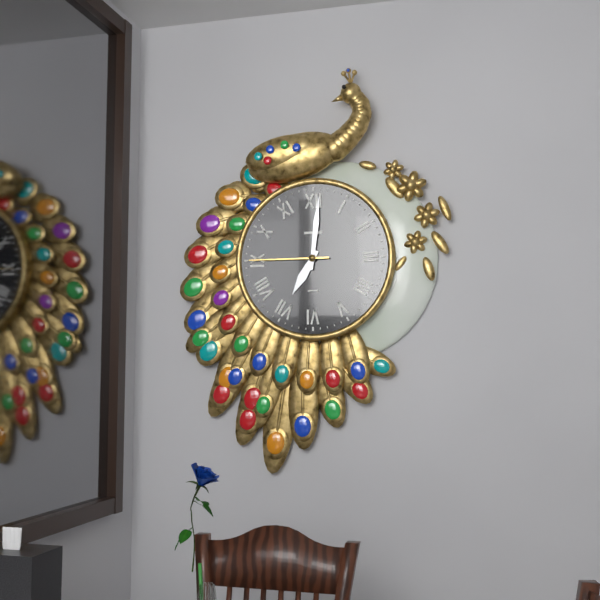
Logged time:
7h01m45s
